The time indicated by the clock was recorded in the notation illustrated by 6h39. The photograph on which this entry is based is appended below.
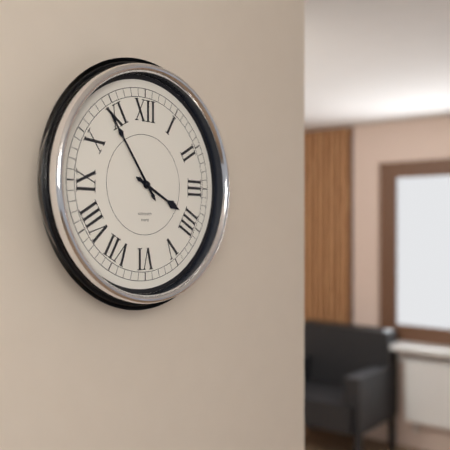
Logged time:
3h54
